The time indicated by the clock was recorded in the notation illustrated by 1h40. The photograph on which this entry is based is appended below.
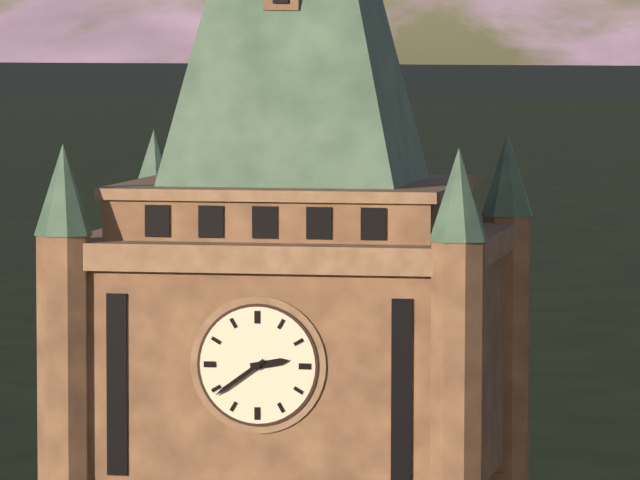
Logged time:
2h39
